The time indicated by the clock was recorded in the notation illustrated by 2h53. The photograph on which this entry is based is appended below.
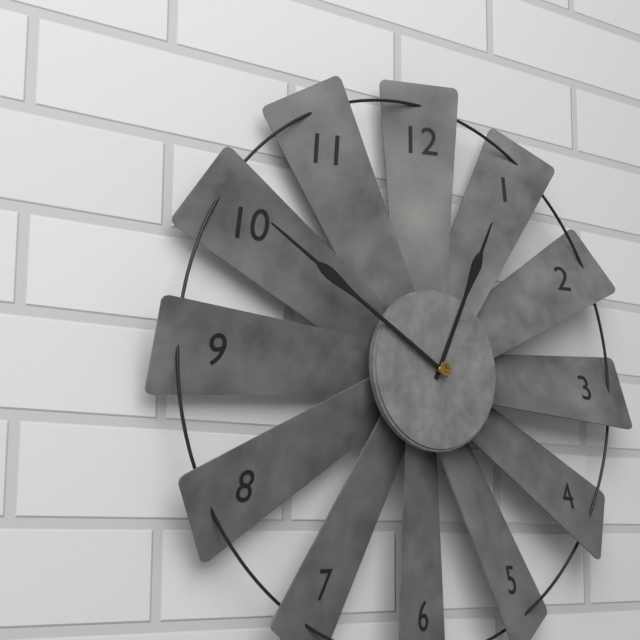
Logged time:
12h50
